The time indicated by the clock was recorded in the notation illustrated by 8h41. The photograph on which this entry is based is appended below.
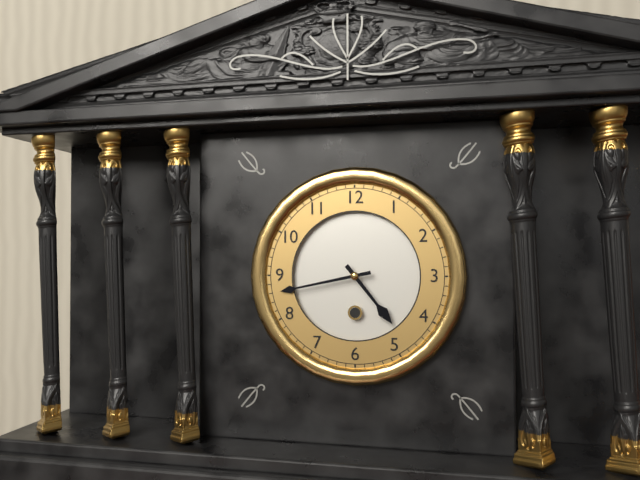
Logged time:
4h43
